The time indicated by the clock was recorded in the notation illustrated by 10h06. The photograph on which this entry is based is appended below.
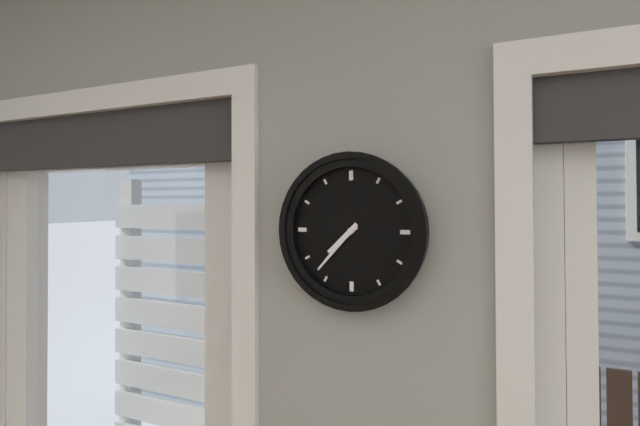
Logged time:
7h37
